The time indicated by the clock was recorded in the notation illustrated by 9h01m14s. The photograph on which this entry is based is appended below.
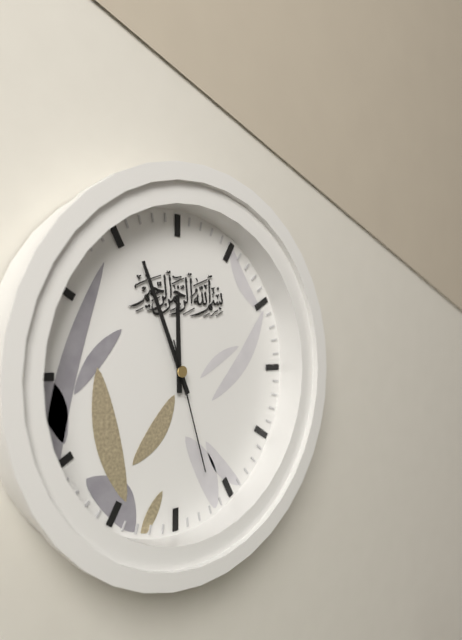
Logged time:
11h56m27s
